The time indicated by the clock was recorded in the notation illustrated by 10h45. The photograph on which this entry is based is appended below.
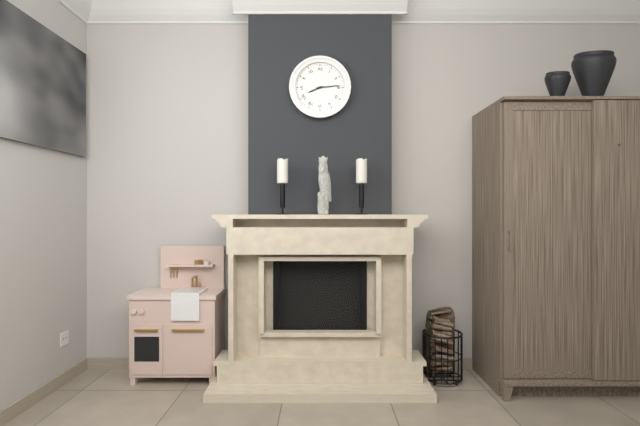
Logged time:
8h14
